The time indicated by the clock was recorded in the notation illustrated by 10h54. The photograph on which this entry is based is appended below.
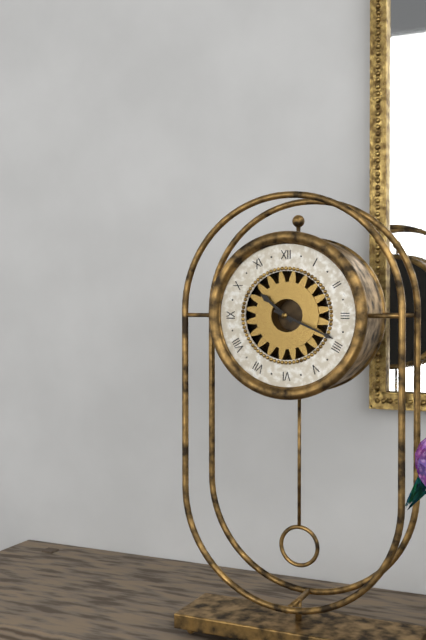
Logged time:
10h19
